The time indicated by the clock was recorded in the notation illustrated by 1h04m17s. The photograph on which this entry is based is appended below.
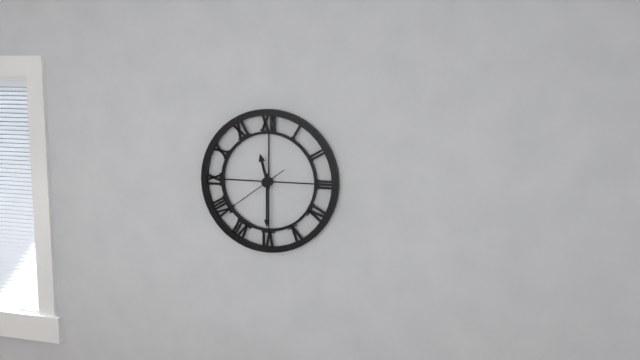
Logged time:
11h30m39s
